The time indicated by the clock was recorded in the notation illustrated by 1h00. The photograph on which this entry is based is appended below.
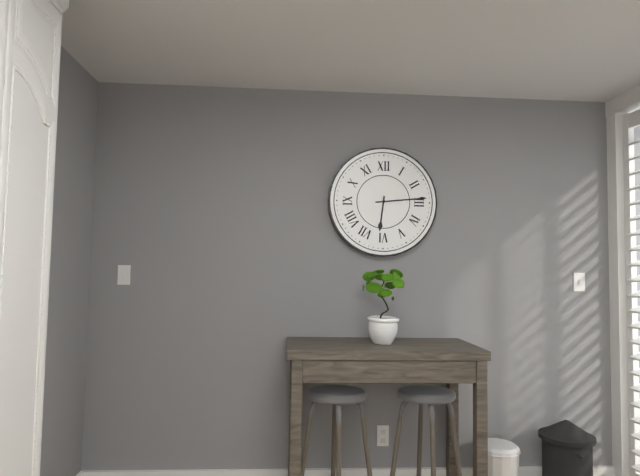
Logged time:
6h14
